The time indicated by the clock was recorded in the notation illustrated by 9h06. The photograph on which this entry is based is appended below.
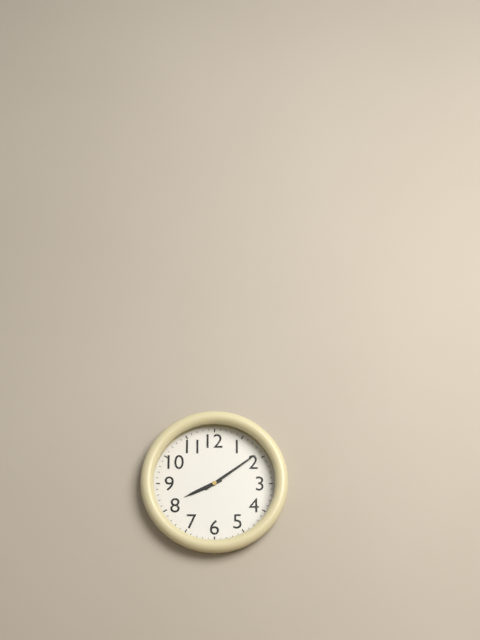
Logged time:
8h09
